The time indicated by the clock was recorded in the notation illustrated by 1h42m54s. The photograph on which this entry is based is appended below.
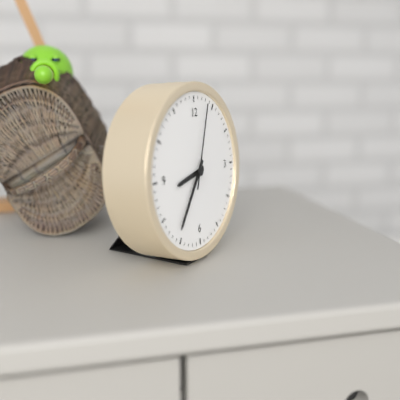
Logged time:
8h36m03s
